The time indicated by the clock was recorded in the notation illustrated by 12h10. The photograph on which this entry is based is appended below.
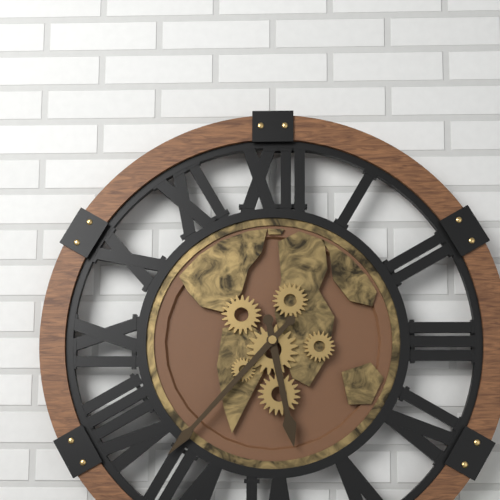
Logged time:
5h37
